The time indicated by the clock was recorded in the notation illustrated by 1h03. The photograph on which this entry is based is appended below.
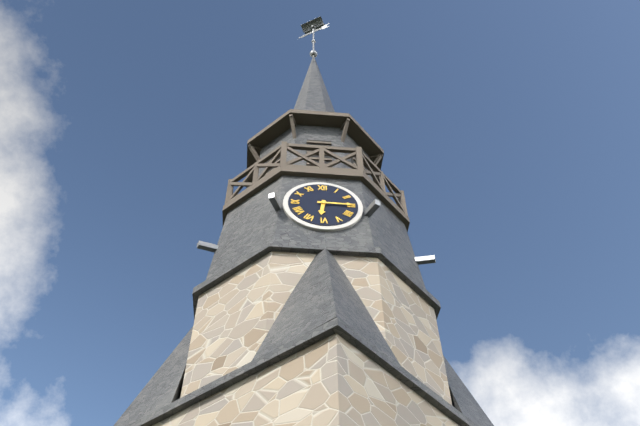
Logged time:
6h15
